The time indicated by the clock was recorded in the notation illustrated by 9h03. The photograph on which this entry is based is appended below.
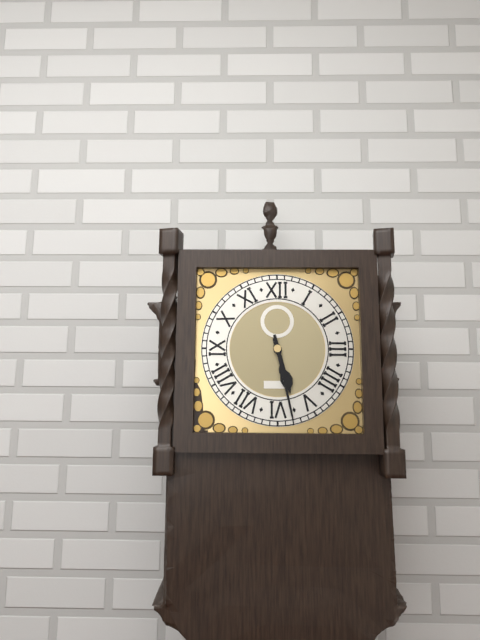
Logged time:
5h28
